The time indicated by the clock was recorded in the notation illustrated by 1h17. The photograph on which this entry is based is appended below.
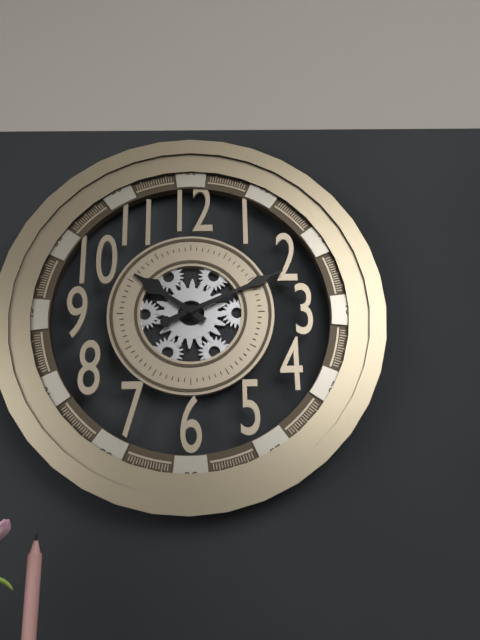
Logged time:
10h11
